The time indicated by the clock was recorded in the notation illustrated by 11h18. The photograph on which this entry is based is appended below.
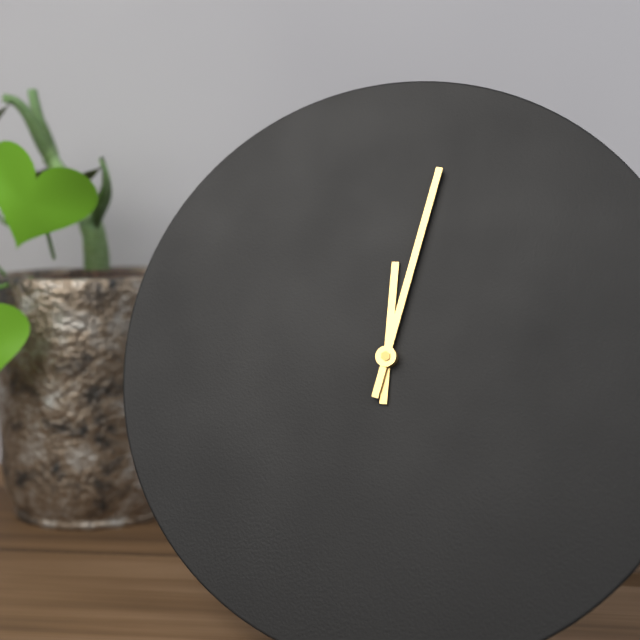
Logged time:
12h02
